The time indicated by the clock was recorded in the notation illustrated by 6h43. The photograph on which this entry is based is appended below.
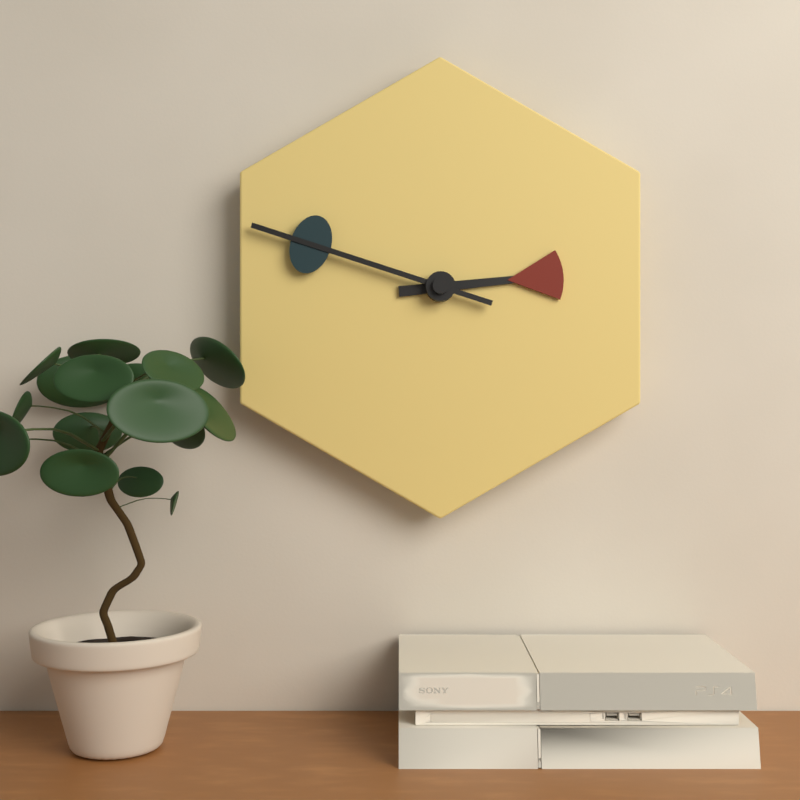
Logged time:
2h48
